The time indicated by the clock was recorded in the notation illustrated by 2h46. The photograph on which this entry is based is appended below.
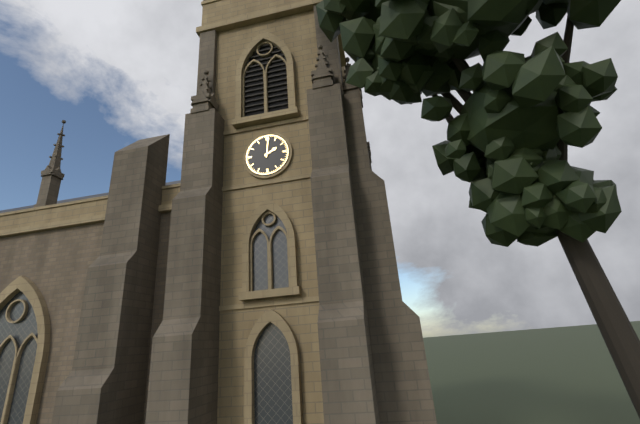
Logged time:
2h01
